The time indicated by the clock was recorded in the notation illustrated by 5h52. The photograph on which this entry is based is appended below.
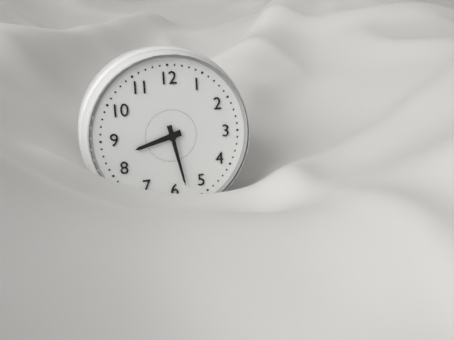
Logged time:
8h28
